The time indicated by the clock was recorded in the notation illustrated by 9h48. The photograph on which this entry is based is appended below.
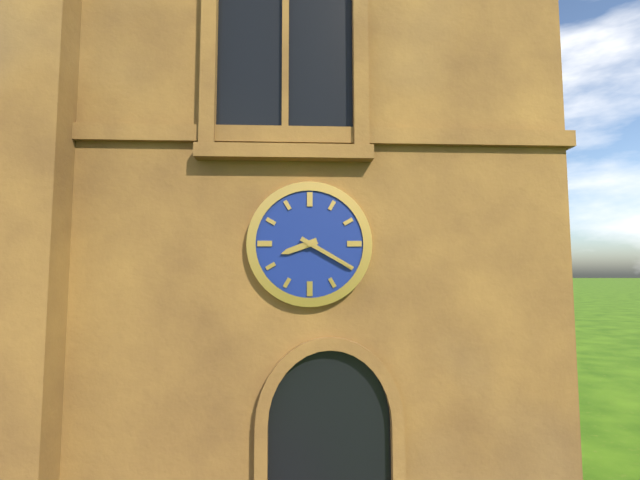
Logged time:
8h20
